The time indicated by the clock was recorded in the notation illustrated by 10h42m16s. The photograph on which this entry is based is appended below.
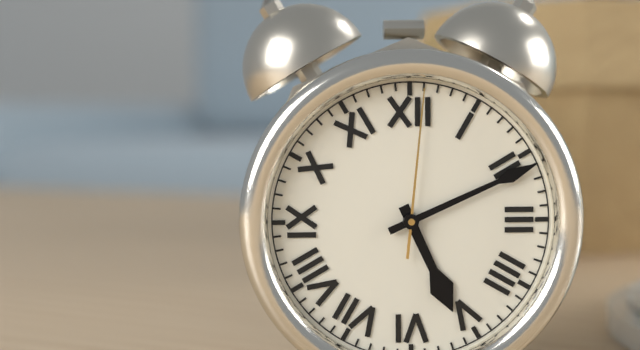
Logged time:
5h11m01s
